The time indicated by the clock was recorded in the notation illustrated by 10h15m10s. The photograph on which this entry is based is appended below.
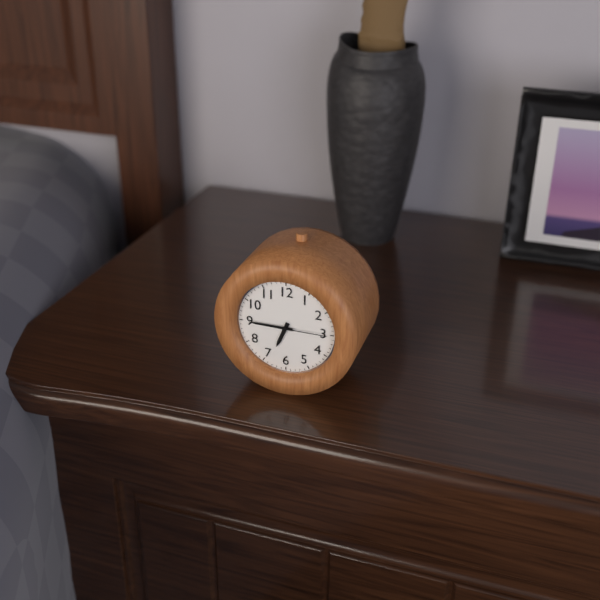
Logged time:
6h45m15s
